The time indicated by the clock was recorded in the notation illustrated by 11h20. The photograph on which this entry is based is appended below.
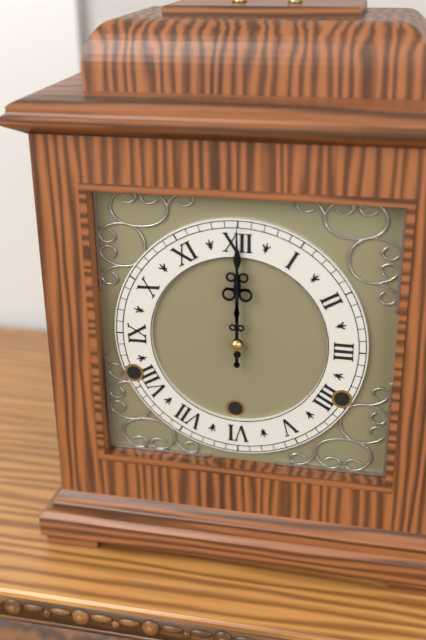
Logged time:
12h00
